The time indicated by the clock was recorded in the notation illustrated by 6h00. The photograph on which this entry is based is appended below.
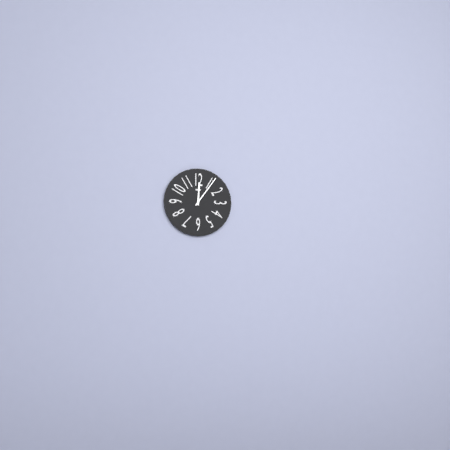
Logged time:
12h06
